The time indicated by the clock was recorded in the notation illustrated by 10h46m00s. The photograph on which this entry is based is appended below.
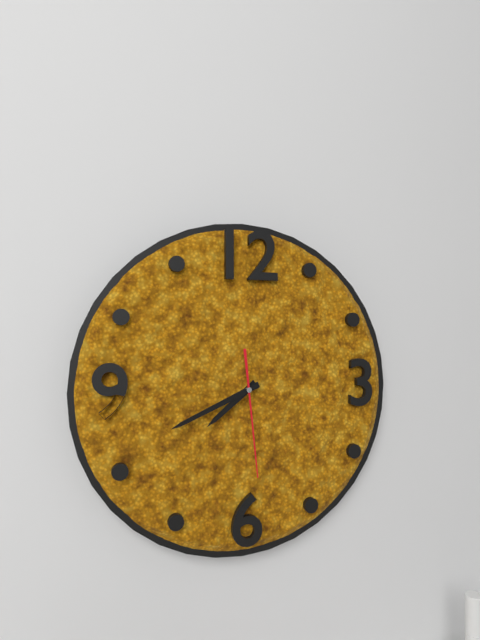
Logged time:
7h41m29s
